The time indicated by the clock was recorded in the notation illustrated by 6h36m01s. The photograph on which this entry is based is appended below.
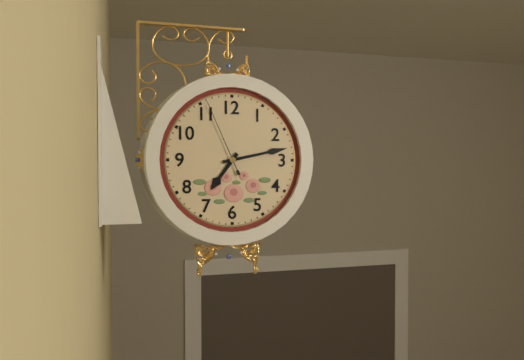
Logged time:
7h13m56s
